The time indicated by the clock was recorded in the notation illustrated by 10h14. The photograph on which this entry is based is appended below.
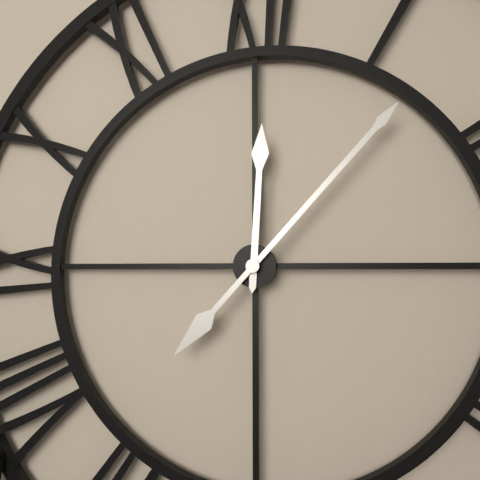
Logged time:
12h07
